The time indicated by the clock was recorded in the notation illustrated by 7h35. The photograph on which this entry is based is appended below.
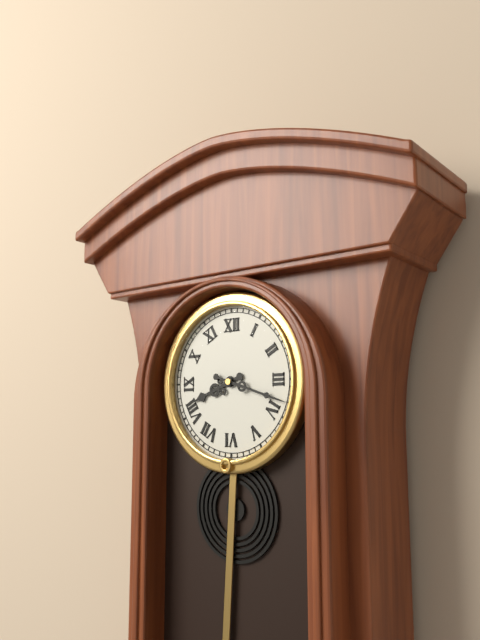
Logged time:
8h18
